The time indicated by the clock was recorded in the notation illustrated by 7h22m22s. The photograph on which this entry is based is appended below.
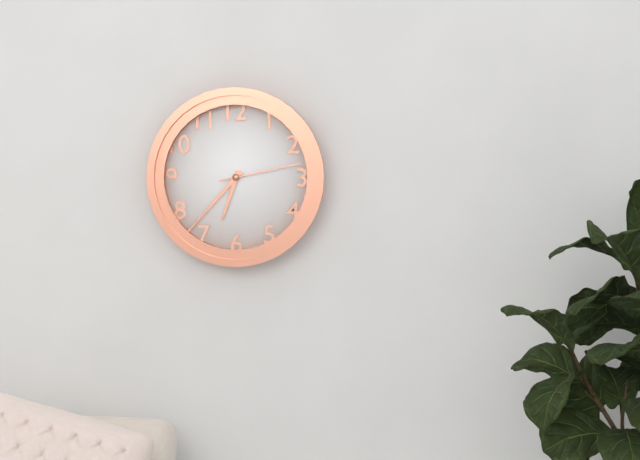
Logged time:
6h37m13s
